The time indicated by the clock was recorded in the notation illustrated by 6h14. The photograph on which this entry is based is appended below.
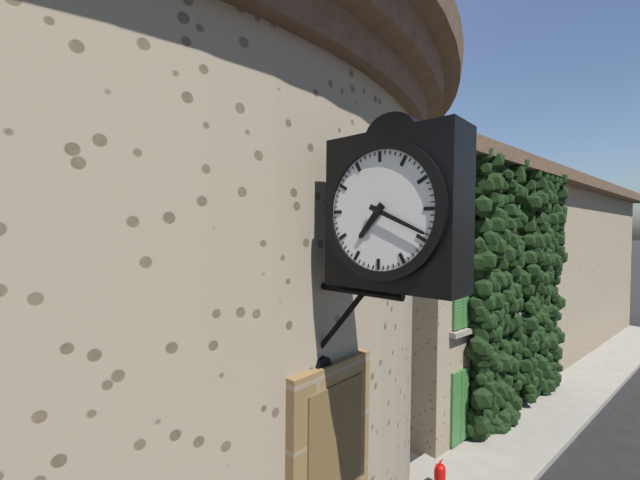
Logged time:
7h19
